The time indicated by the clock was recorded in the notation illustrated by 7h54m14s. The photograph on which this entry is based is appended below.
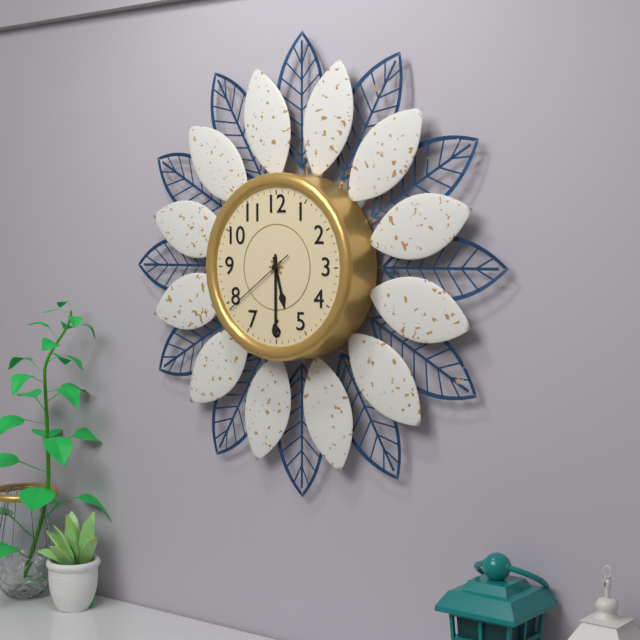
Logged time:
5h30m39s
